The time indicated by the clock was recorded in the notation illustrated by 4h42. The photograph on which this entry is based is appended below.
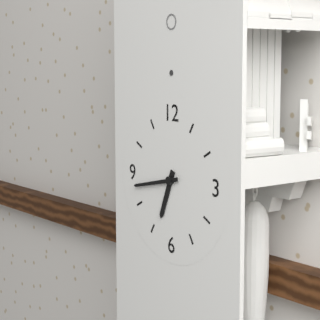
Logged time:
6h43
